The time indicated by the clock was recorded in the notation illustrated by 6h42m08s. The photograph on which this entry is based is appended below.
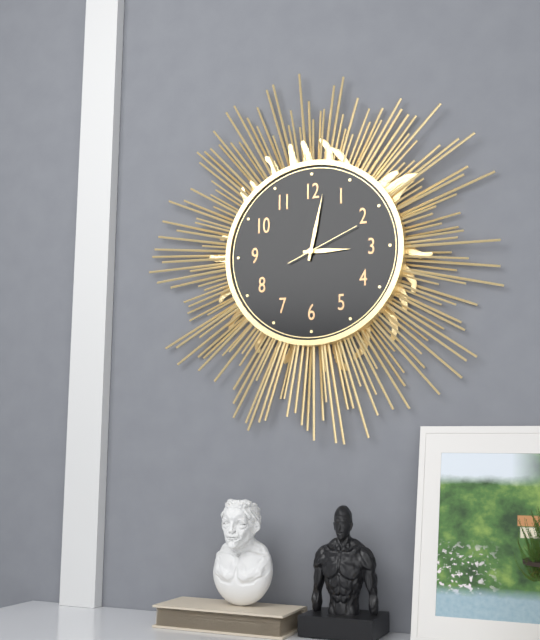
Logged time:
3h02m11s
